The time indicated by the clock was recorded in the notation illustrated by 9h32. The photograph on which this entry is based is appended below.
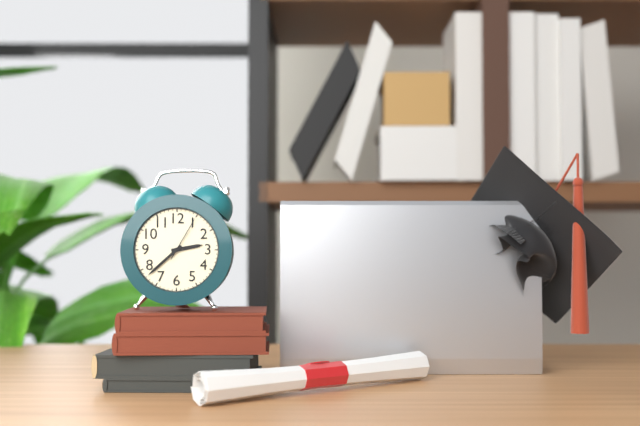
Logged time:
2h38
